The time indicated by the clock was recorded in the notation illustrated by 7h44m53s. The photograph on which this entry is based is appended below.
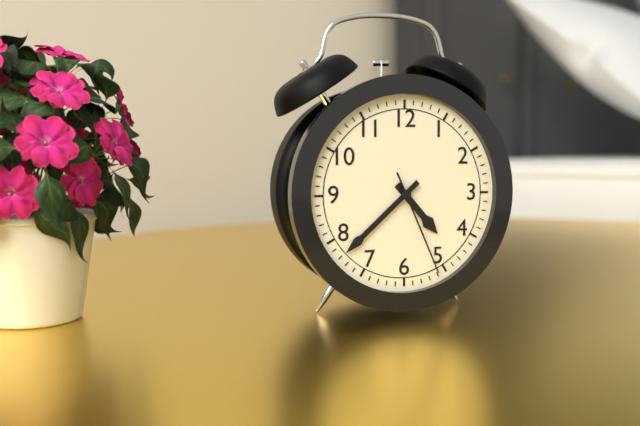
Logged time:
4h38m26s
